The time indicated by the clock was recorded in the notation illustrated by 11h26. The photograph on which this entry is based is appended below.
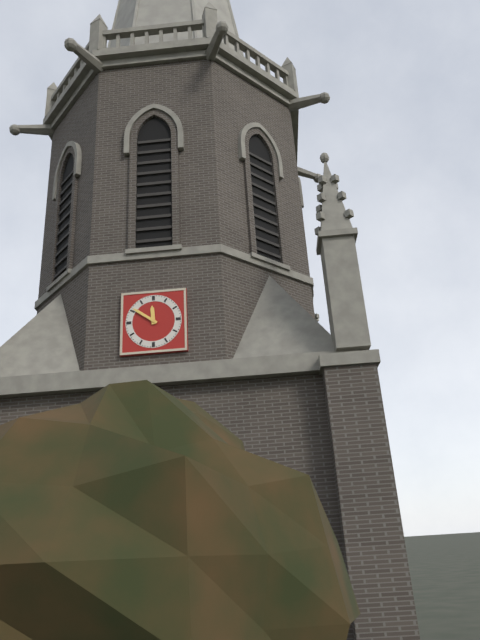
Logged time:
11h51
